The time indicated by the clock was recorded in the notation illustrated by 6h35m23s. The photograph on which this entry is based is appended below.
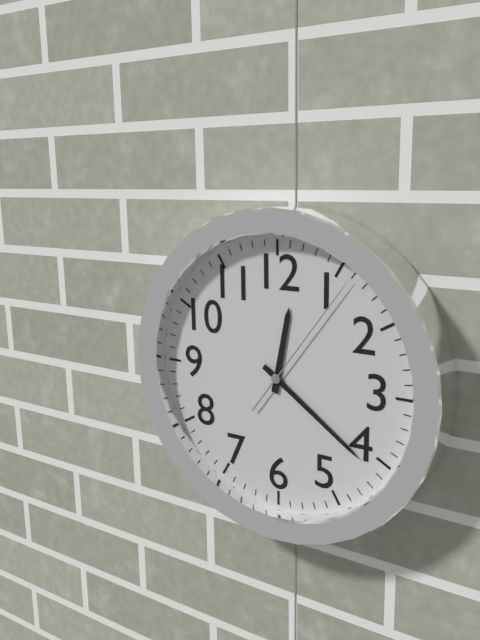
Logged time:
12h21m06s
